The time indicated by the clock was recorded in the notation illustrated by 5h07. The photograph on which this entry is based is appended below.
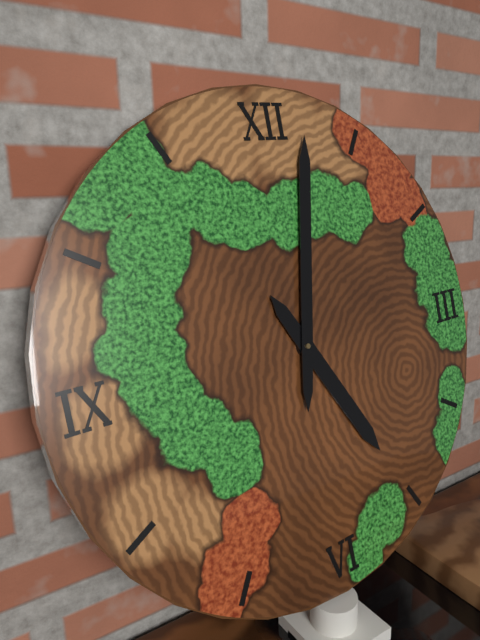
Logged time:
5h02
